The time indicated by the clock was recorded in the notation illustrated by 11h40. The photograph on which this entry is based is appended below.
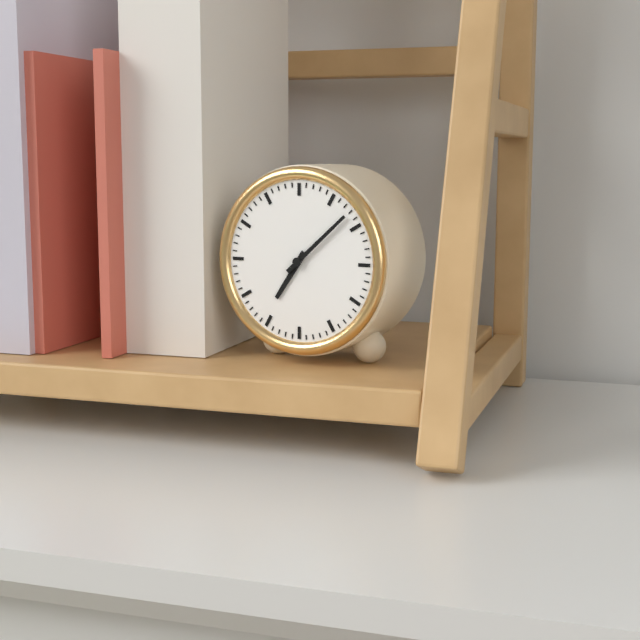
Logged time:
7h08
